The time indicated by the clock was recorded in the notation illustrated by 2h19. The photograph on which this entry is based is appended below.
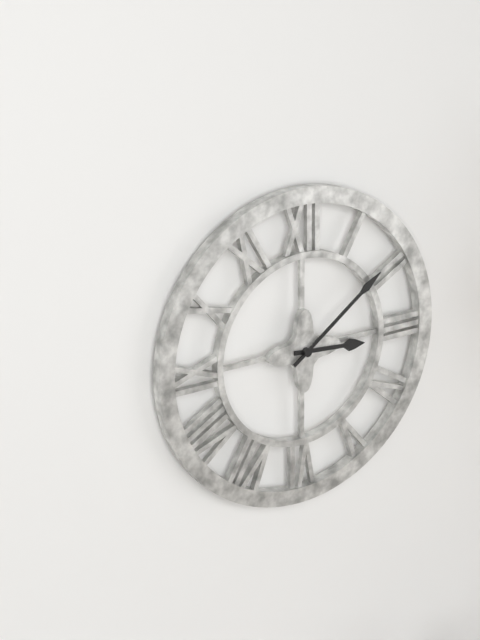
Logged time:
3h09
